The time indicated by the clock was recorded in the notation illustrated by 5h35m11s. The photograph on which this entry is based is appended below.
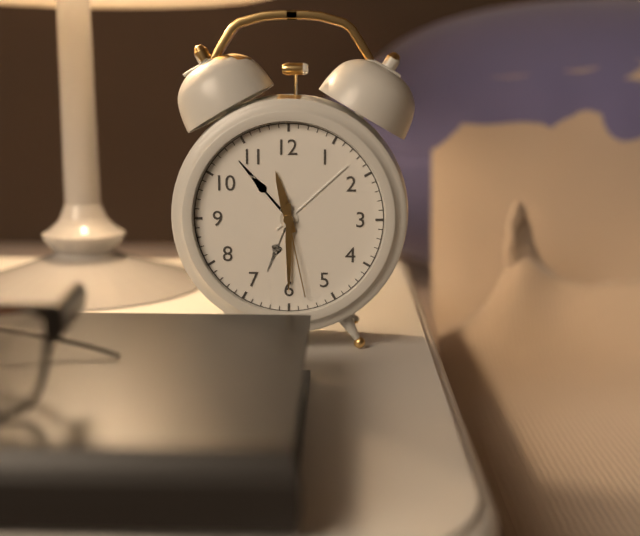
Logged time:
11h30m28s
